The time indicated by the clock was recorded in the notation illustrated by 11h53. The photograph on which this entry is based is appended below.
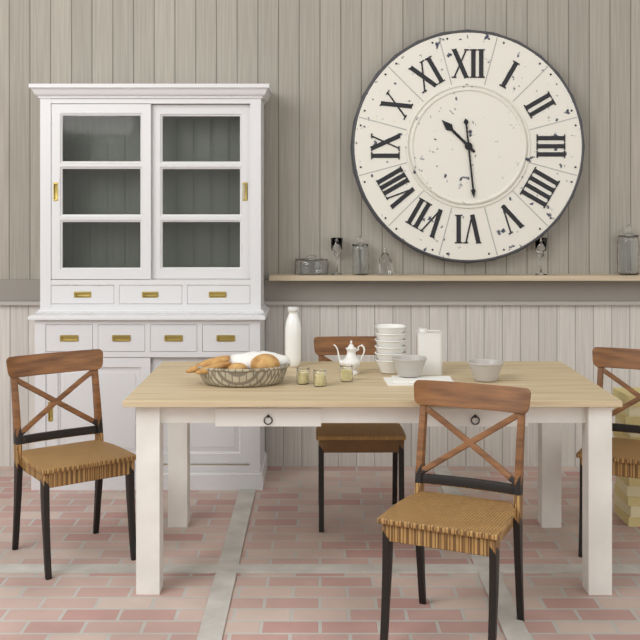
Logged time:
10h29
